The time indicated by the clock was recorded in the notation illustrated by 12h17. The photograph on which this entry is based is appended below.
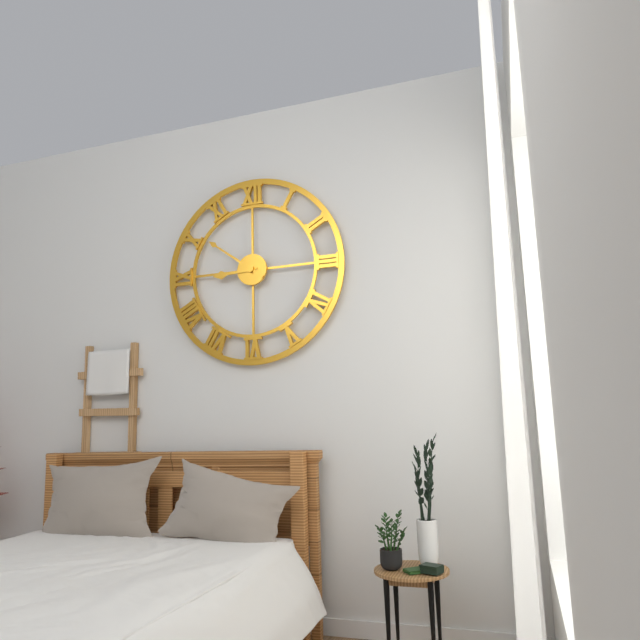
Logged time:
8h51
